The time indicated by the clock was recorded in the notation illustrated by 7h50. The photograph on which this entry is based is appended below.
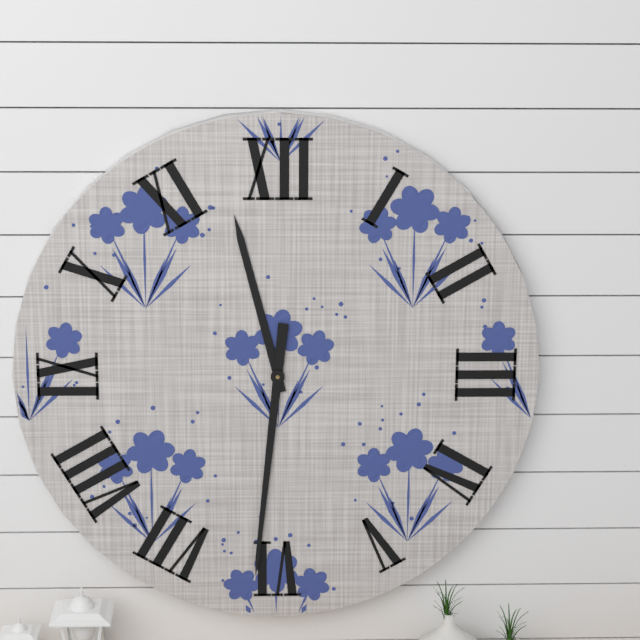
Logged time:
11h31
